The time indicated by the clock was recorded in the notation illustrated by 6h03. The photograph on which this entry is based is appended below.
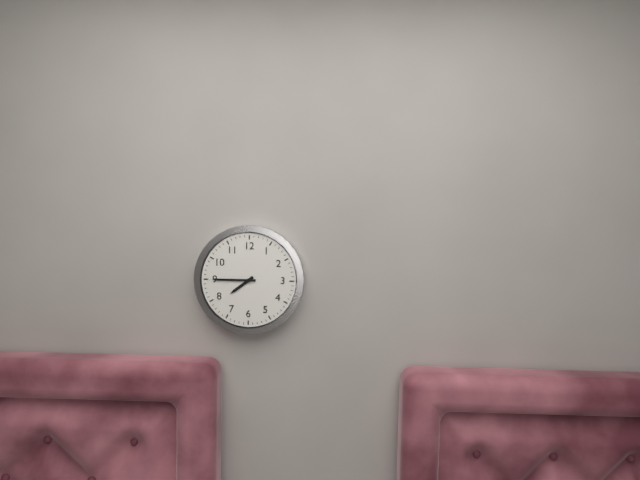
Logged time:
7h45
